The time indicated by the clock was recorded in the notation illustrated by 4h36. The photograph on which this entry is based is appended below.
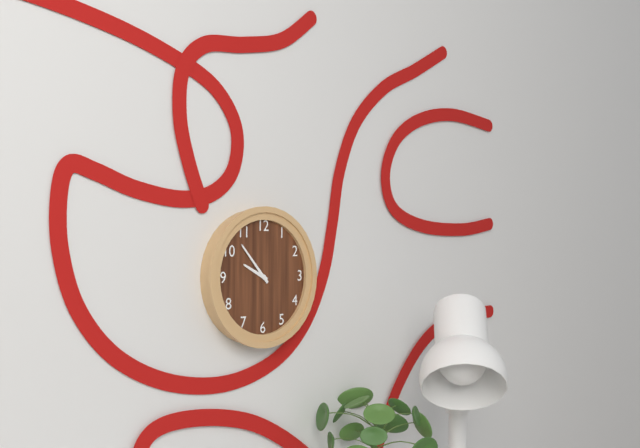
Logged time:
9h53
